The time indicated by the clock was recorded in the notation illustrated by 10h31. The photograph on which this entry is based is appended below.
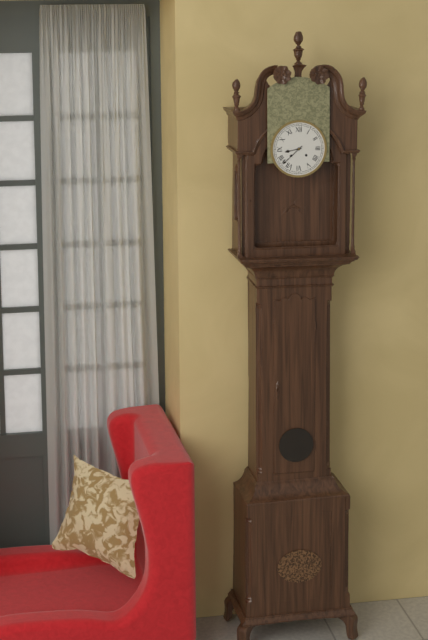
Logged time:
8h38
